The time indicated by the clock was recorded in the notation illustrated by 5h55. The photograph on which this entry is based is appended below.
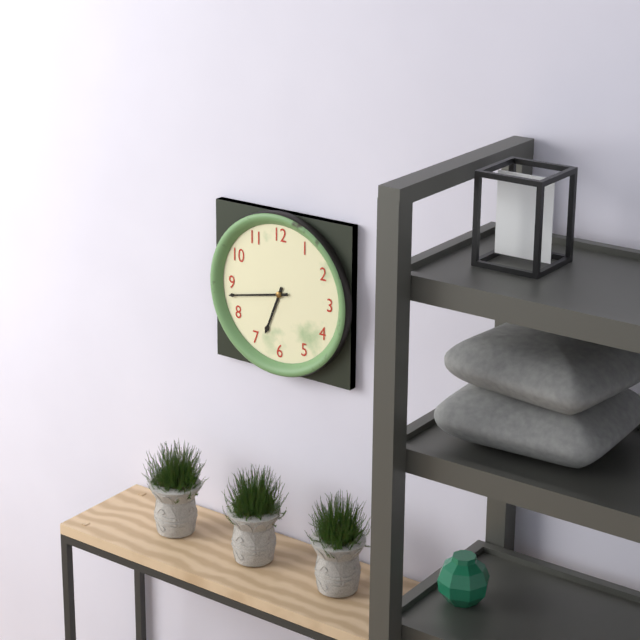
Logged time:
6h43
